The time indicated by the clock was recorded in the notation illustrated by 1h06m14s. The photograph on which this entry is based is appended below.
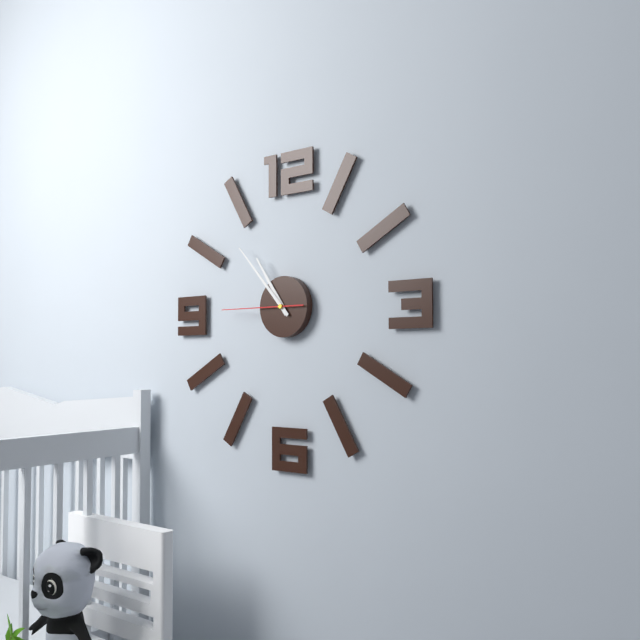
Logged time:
10h53m45s
